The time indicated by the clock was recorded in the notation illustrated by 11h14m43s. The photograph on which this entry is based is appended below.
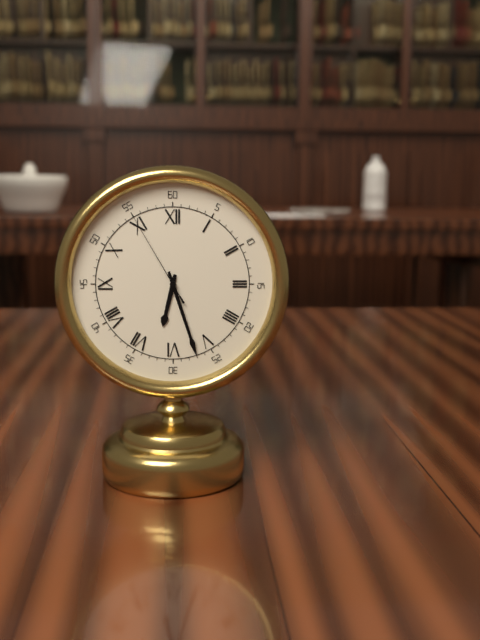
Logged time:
6h27m55s
